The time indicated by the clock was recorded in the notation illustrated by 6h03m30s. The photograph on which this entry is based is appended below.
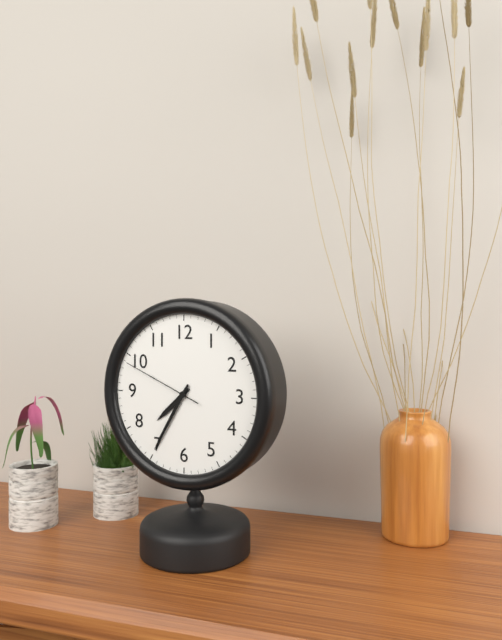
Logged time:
7h35m49s
